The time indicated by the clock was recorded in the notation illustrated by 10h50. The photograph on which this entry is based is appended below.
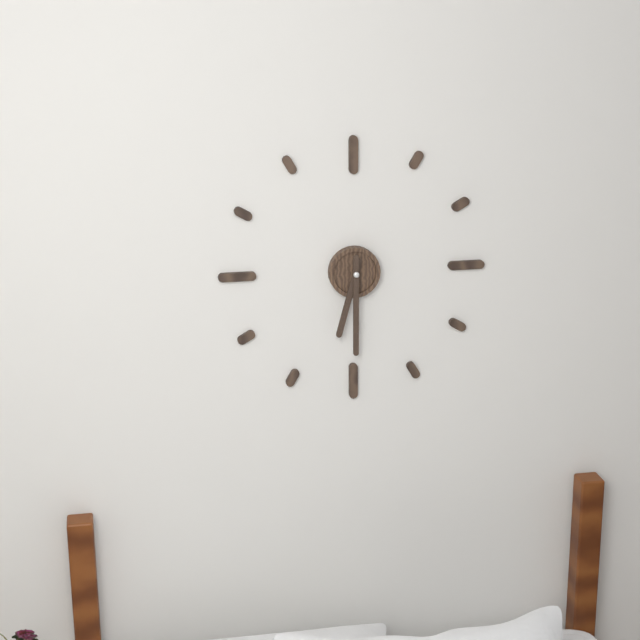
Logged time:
6h30
